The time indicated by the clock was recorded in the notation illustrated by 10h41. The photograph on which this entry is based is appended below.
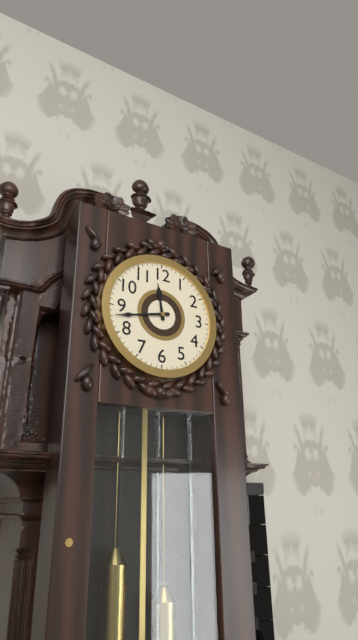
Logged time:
11h43
